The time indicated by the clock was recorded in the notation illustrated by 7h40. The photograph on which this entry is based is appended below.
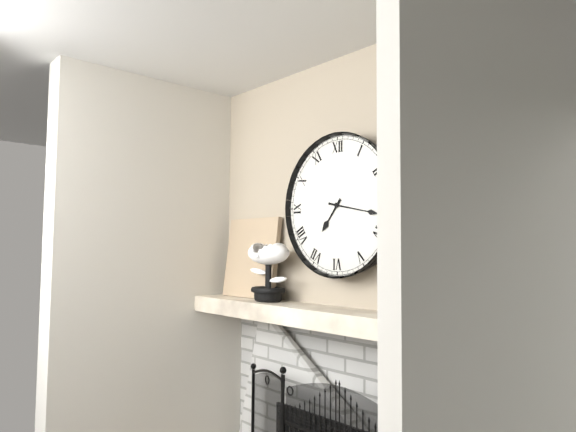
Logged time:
7h17
